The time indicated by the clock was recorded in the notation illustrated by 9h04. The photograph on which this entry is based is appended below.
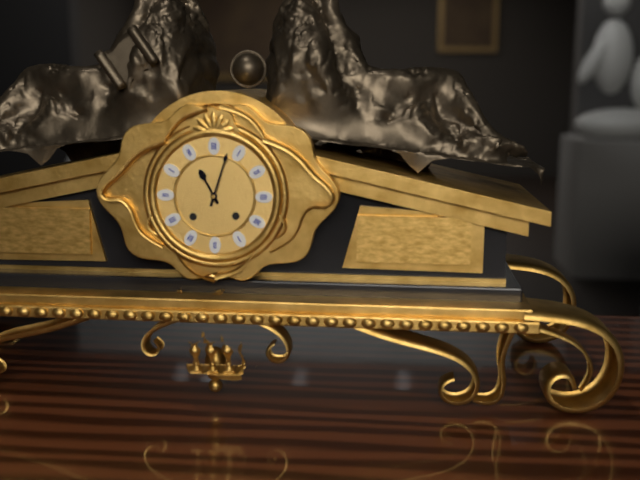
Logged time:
11h03
